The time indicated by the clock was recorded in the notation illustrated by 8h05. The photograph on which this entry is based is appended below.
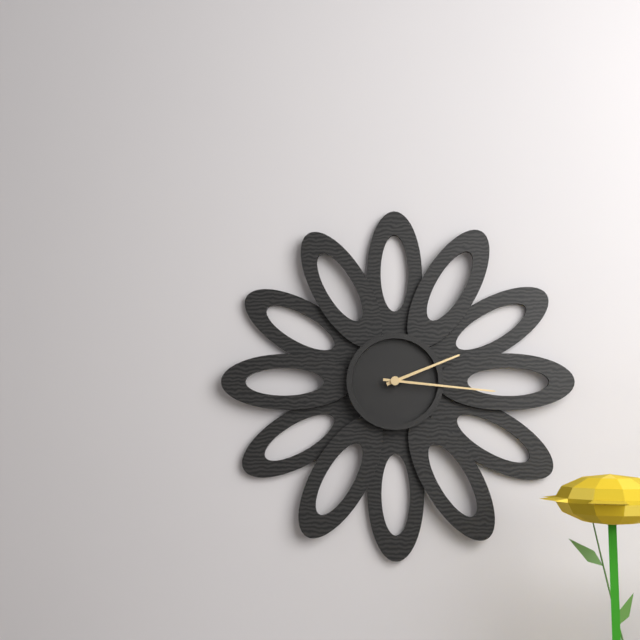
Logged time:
2h16
